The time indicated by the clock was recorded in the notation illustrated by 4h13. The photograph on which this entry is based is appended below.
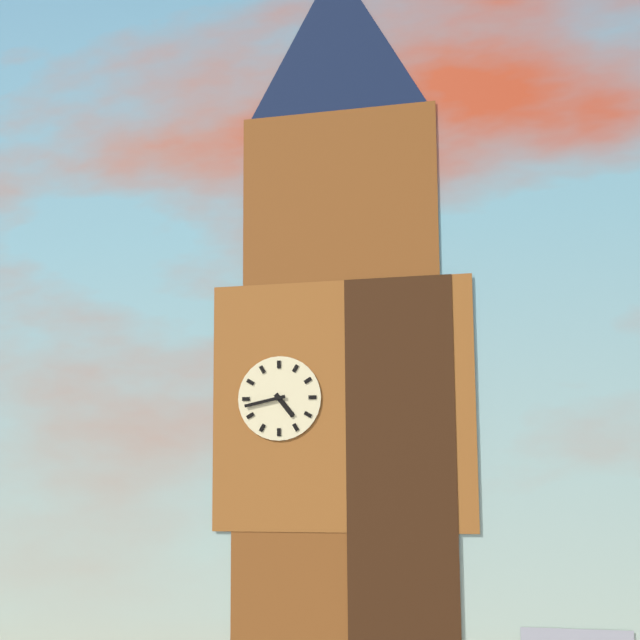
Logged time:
4h43
